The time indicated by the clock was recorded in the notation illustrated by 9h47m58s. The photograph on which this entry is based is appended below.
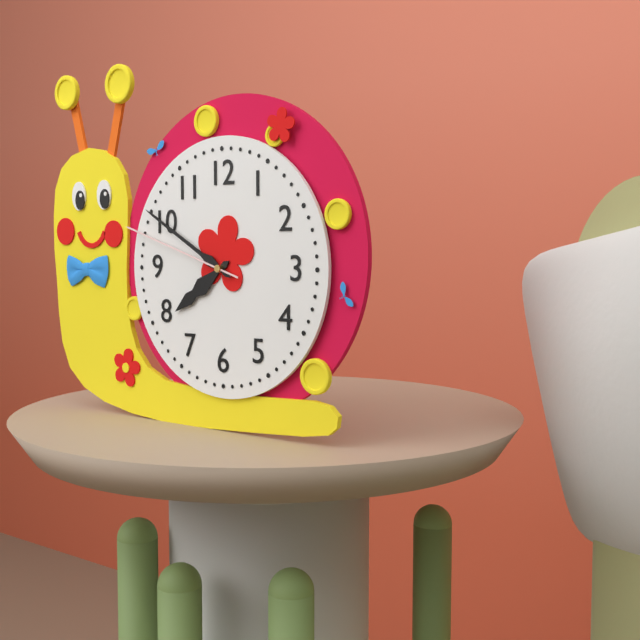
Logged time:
7h50m48s
